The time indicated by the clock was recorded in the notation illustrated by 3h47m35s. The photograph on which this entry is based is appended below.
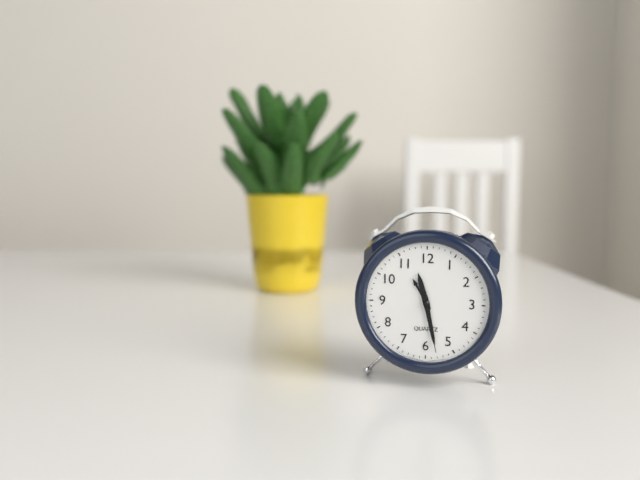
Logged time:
11h28m28s
